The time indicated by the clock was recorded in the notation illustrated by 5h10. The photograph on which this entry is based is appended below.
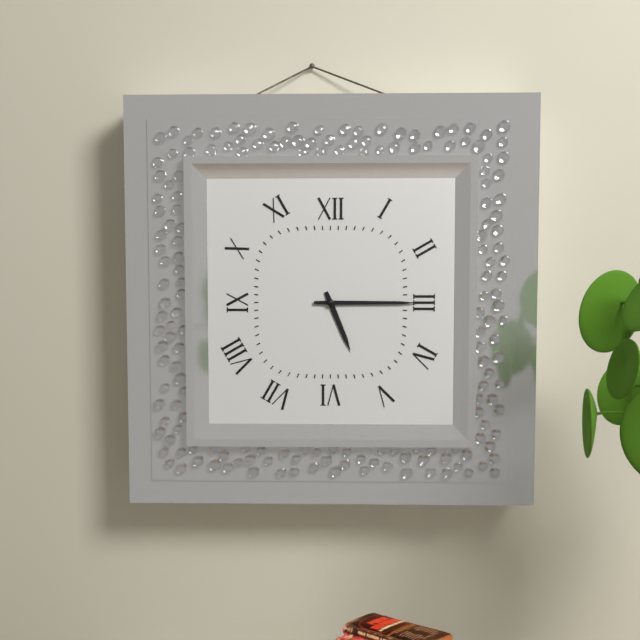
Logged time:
5h15
